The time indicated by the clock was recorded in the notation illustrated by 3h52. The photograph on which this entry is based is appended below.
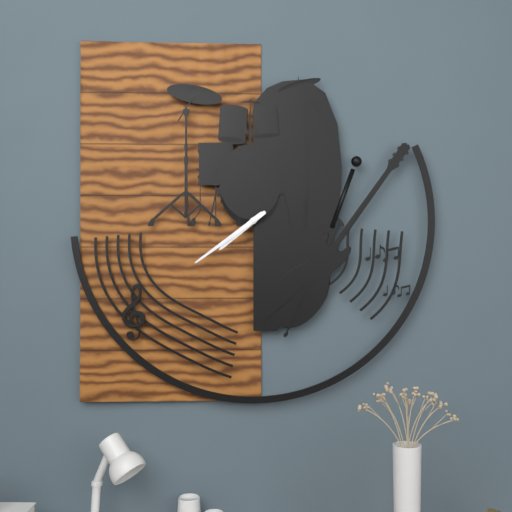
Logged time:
7h39
